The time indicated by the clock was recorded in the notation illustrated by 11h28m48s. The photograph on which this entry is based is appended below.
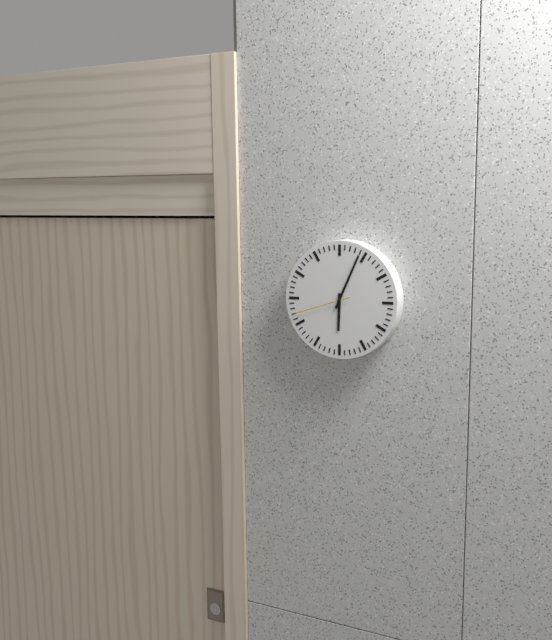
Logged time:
6h04m42s
